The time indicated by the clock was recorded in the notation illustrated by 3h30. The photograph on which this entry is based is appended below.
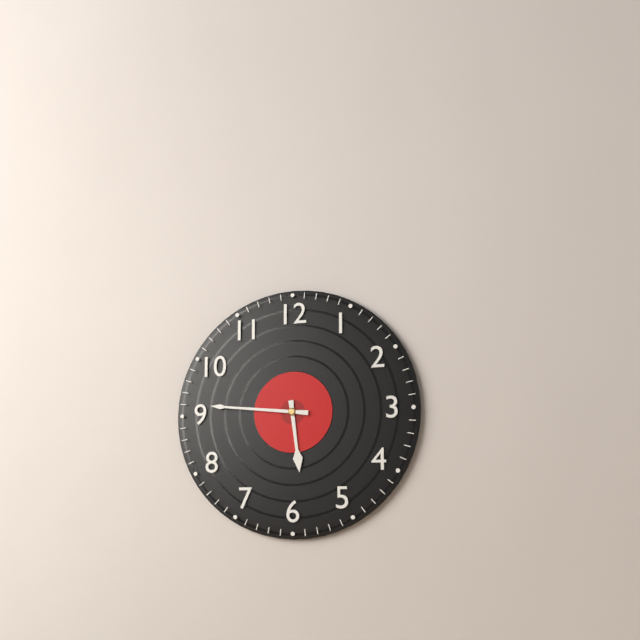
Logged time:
5h46
